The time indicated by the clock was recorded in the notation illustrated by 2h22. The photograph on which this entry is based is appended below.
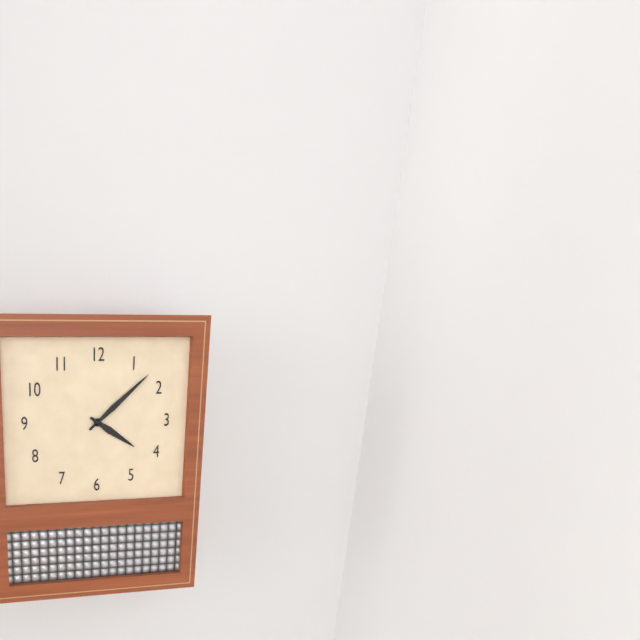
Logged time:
4h08
